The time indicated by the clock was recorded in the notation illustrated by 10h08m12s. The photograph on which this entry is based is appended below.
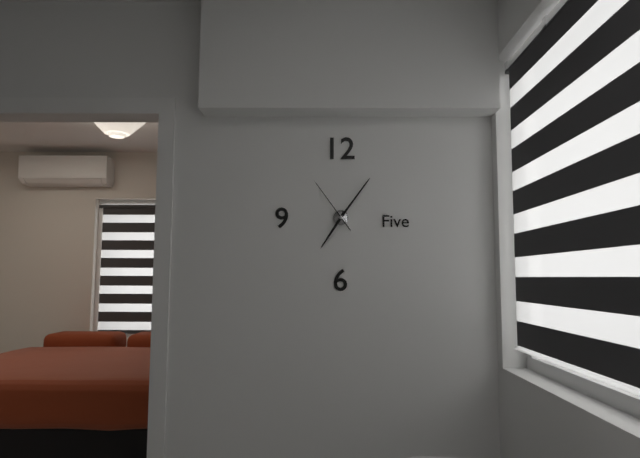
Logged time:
7h06m54s
